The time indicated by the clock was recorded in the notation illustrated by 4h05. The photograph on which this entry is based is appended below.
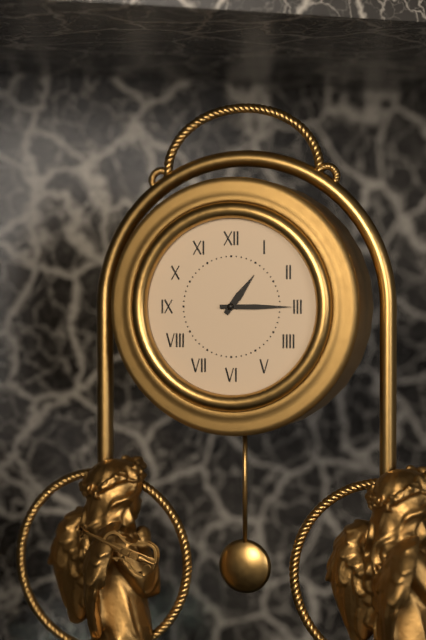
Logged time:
1h15
